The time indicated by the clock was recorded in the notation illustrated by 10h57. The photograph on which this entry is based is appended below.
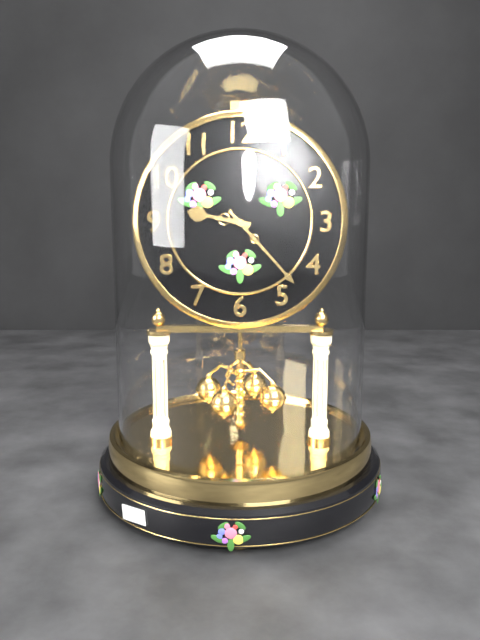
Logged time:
9h23
